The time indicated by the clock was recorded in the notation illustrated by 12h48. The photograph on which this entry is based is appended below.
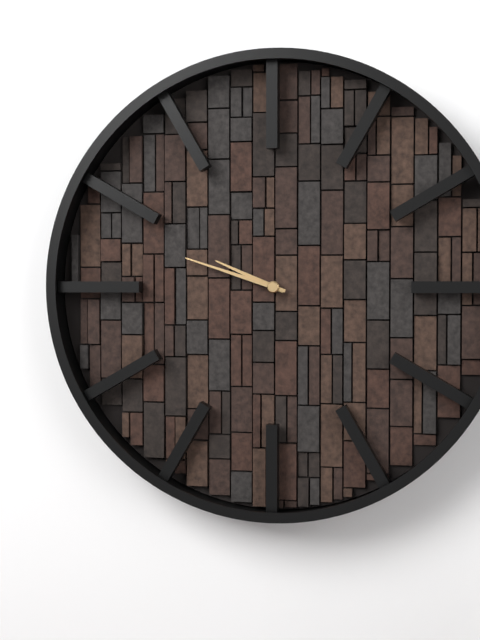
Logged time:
9h48
